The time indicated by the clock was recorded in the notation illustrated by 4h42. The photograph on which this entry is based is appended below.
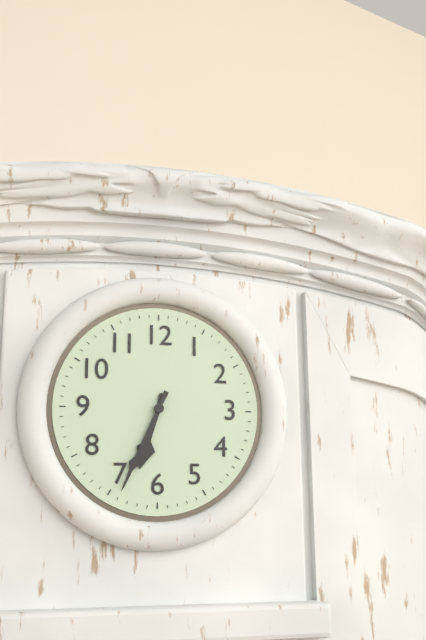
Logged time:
6h34
